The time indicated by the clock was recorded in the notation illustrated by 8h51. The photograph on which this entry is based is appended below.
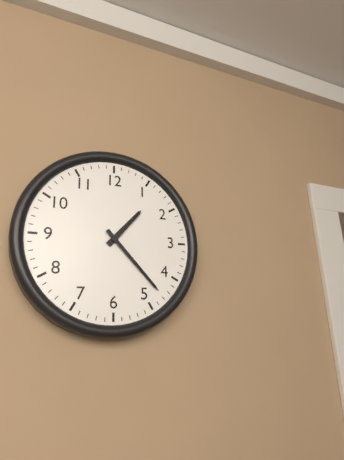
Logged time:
1h23
